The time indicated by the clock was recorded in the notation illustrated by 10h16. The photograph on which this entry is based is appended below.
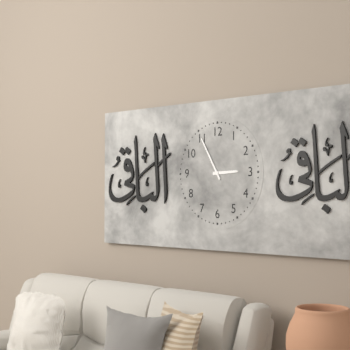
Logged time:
2h55
